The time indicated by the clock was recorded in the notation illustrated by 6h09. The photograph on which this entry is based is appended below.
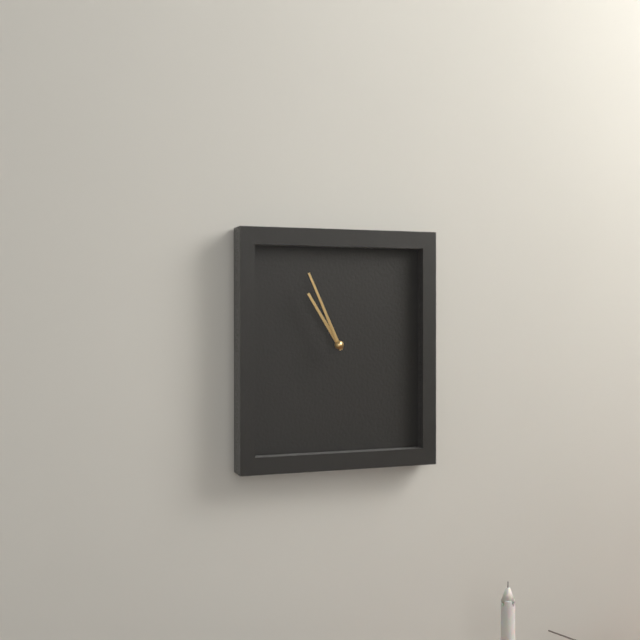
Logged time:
10h56
